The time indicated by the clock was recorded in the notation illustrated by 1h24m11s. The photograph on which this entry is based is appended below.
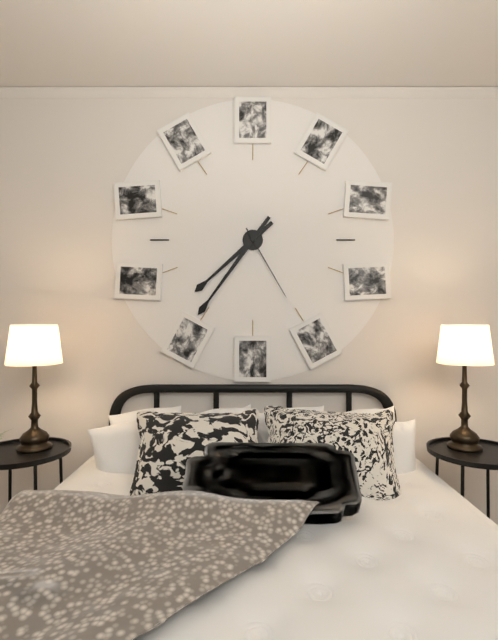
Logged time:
7h36m25s
